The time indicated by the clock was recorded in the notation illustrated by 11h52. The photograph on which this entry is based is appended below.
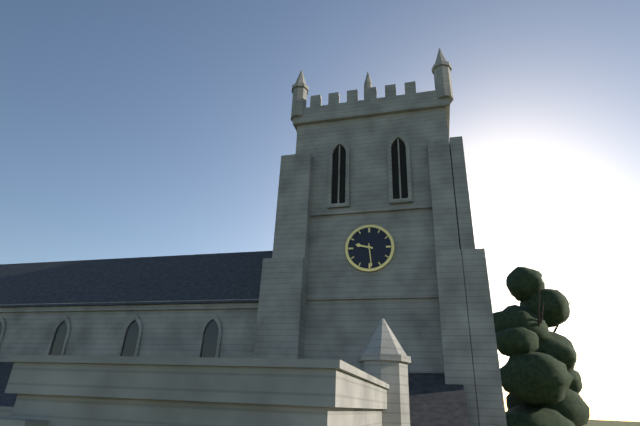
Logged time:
9h29
